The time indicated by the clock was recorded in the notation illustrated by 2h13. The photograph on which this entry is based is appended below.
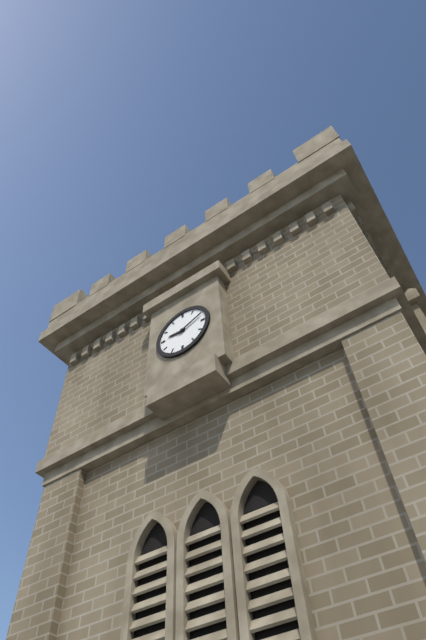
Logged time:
9h11
